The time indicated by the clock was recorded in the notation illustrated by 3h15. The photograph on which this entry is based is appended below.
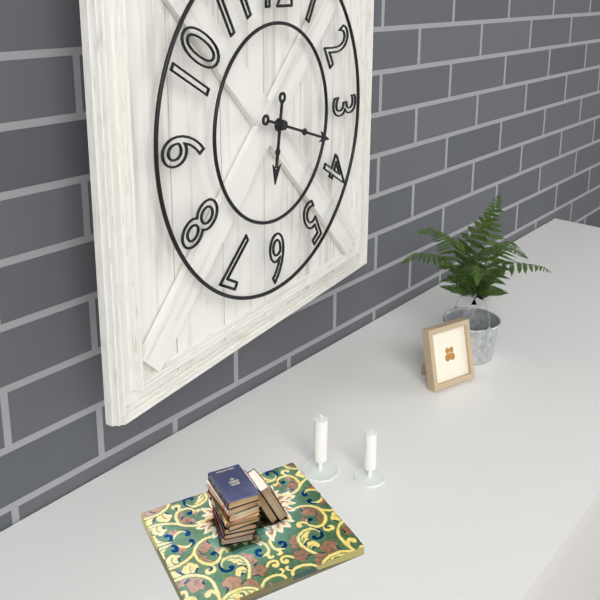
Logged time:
6h18
